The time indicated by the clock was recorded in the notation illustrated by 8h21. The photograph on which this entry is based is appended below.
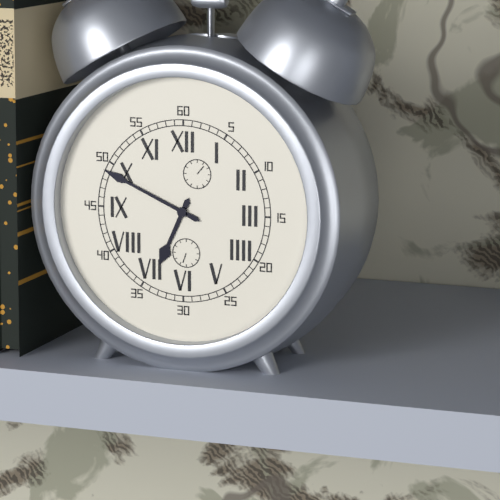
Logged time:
6h49
